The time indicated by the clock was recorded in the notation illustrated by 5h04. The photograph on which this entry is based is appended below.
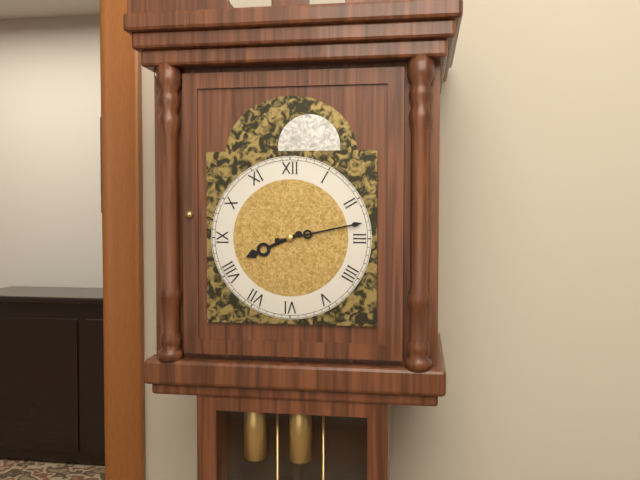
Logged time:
8h13
